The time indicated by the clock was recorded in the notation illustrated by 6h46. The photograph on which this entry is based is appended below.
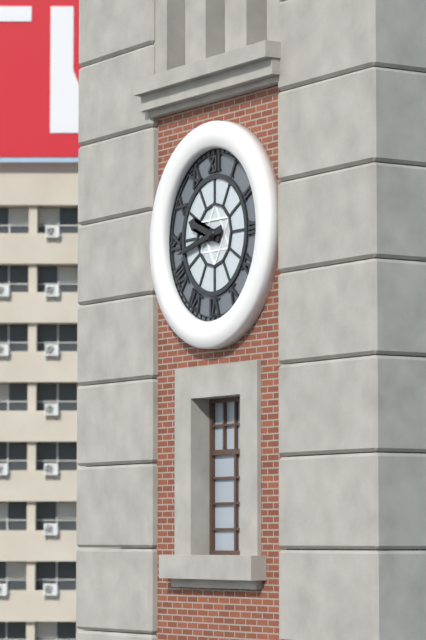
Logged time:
9h43
